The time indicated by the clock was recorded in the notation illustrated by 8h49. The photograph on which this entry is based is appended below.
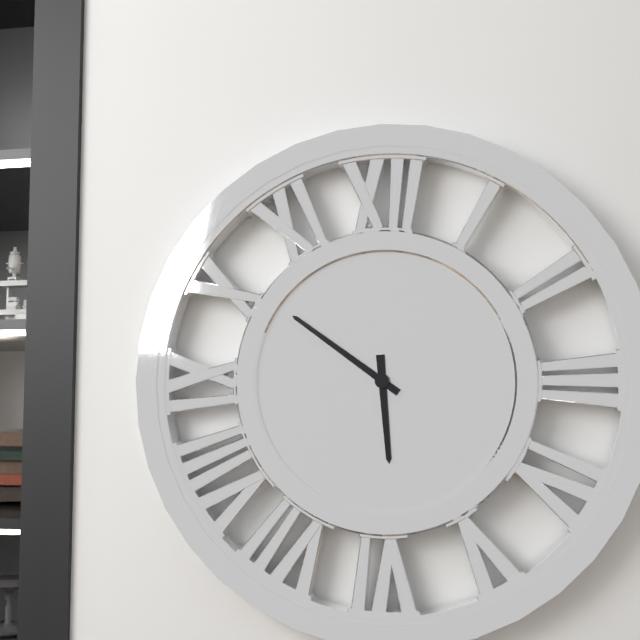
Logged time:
5h51
